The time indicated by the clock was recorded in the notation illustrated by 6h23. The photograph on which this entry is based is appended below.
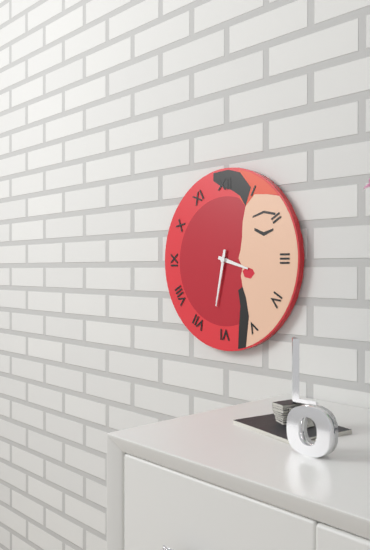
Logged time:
3h32
